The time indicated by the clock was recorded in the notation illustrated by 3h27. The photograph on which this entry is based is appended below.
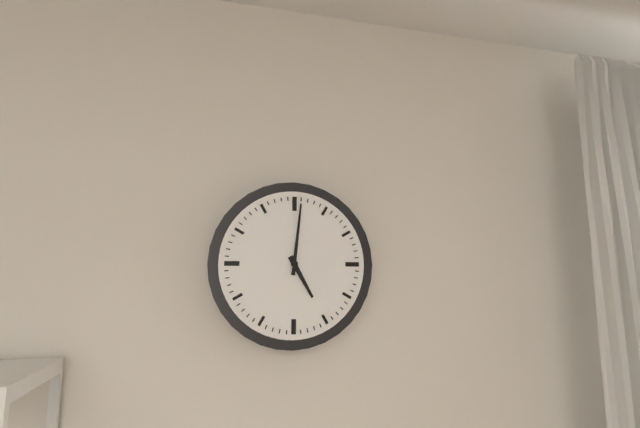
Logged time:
5h01
